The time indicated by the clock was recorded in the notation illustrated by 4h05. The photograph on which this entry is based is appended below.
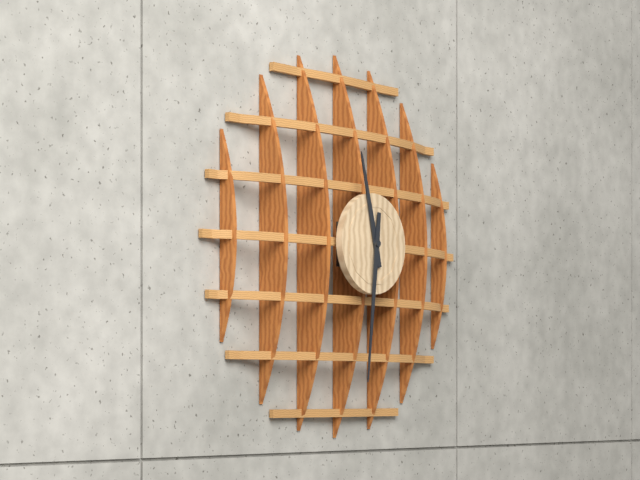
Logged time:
11h31
